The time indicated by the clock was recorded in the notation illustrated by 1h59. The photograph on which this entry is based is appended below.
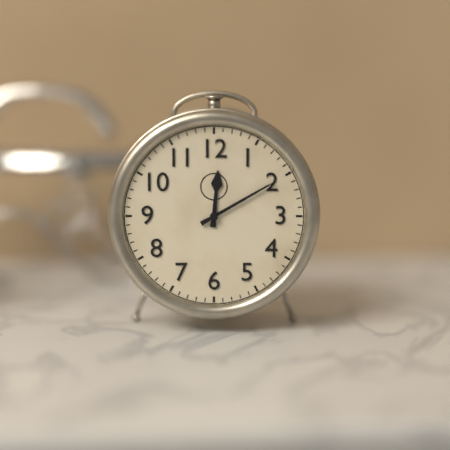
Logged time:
12h10
